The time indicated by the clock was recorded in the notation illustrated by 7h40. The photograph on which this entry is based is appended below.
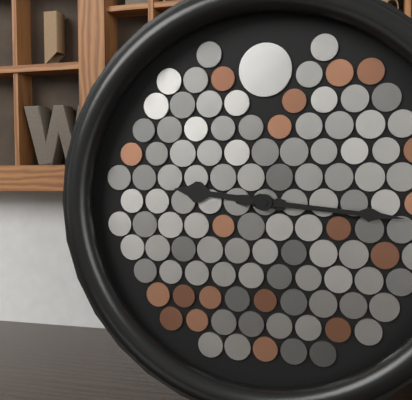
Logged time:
9h16
